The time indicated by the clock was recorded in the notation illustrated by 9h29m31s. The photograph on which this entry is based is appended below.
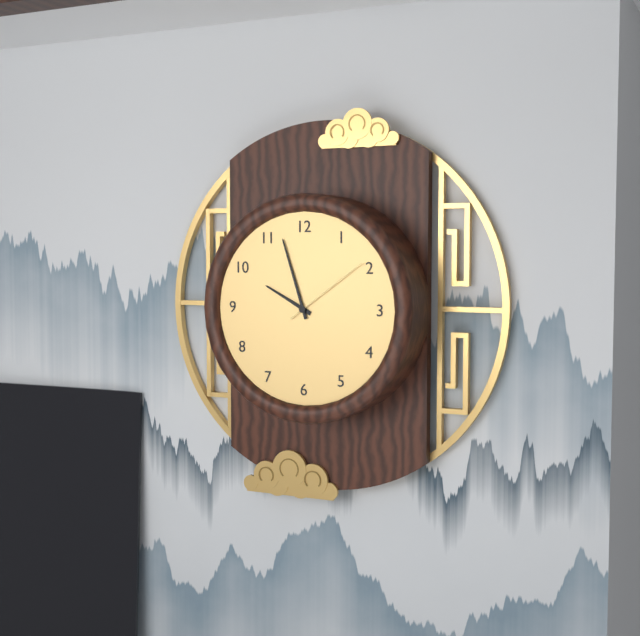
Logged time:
9h57m09s
